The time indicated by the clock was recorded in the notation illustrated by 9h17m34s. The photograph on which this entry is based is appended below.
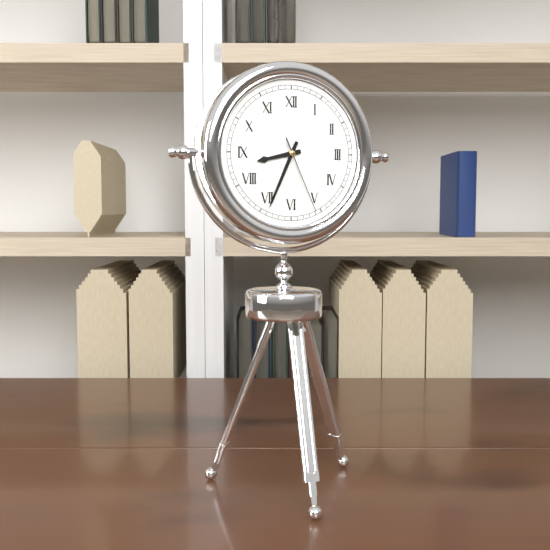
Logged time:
8h34m26s
